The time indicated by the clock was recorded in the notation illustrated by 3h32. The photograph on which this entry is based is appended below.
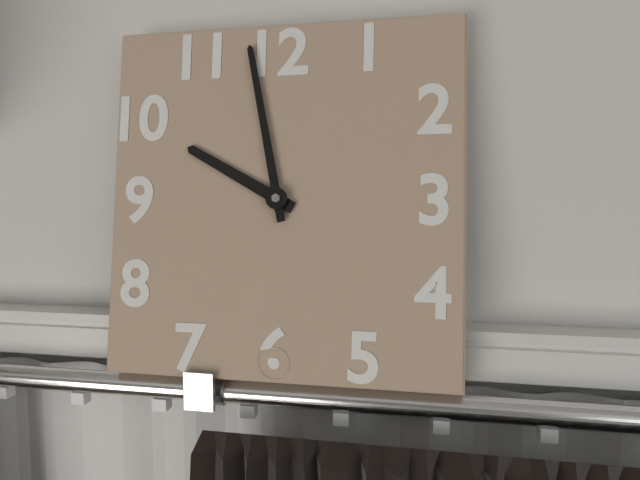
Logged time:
9h58
